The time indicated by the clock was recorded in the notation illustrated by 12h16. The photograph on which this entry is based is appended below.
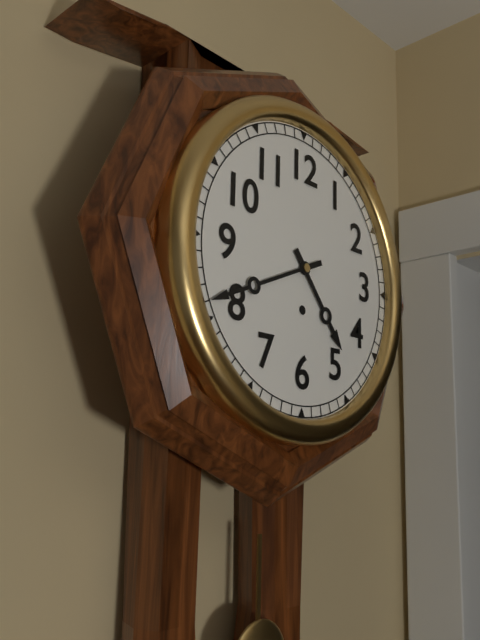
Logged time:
4h41
